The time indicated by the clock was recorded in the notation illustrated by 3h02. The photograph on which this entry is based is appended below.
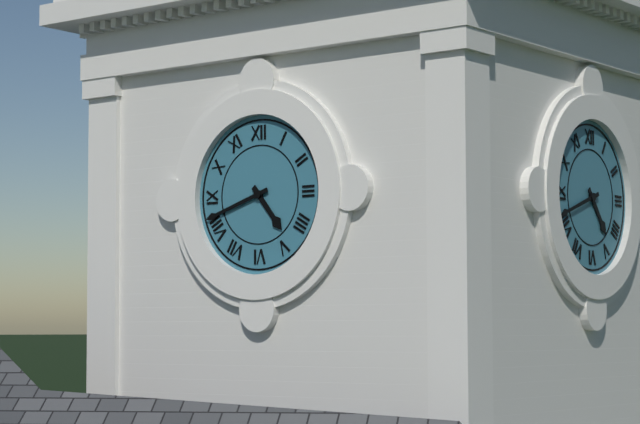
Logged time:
4h42
